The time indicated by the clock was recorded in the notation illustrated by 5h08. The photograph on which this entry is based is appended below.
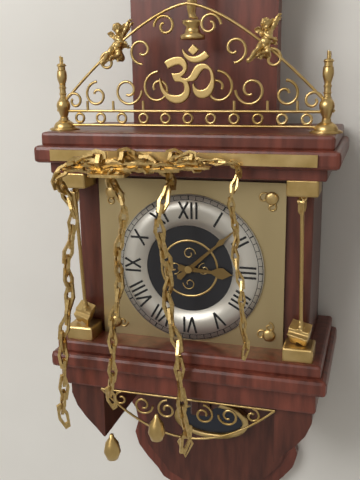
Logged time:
3h08
